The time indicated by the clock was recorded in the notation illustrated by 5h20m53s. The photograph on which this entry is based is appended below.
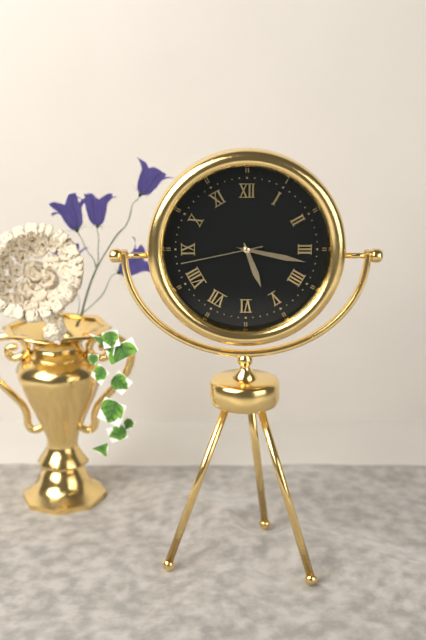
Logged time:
5h17m43s
